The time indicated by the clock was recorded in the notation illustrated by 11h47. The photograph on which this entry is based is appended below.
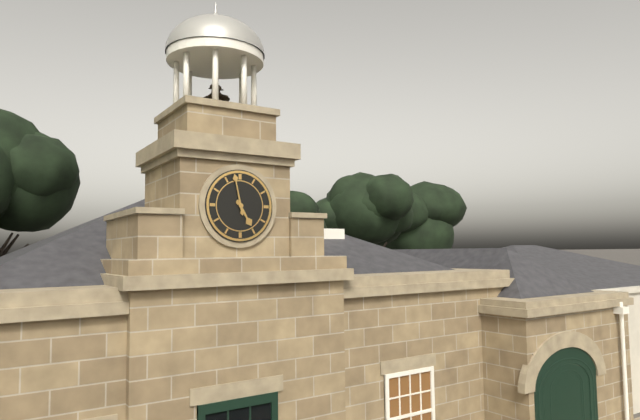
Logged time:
4h58
